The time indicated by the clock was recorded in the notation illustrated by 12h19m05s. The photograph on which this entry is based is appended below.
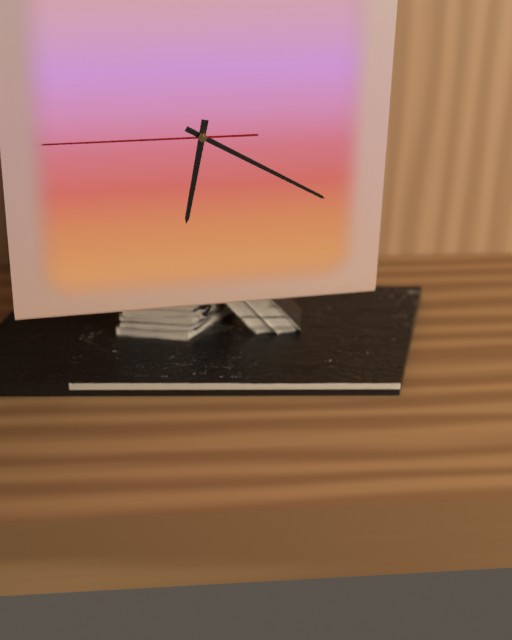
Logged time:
6h20m45s
